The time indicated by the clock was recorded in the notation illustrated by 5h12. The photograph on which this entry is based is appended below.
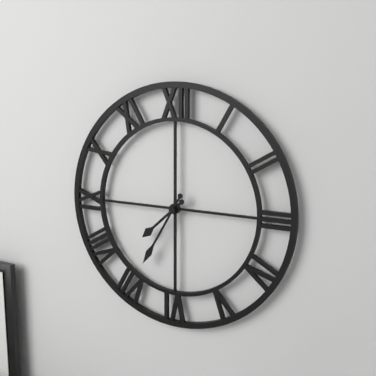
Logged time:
7h35
